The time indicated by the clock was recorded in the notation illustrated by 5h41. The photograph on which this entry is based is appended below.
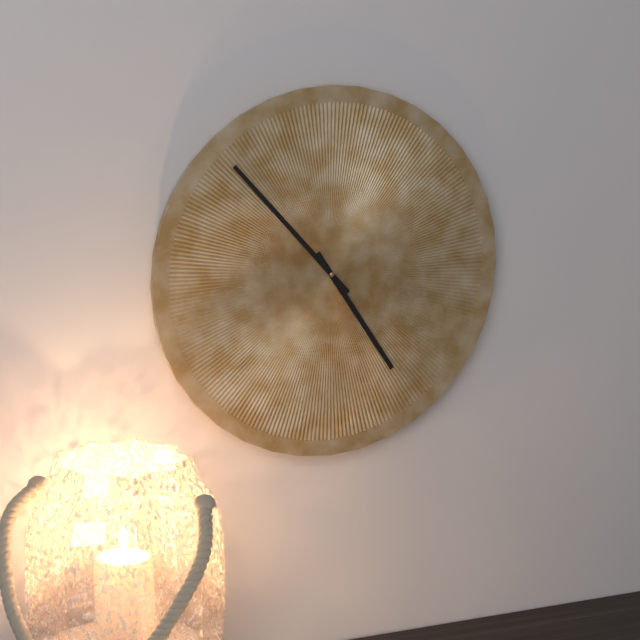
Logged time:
4h53
